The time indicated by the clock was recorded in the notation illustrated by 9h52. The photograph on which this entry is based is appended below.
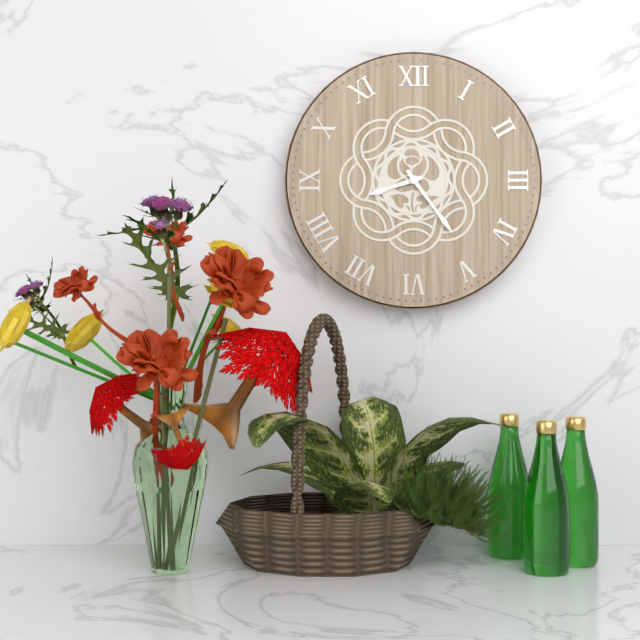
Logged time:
8h24
